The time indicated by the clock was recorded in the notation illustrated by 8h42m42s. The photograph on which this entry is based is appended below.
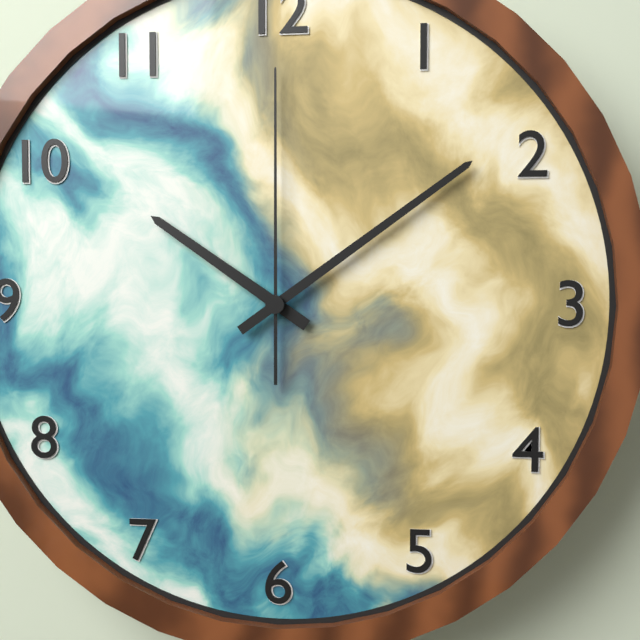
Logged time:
10h09m00s
